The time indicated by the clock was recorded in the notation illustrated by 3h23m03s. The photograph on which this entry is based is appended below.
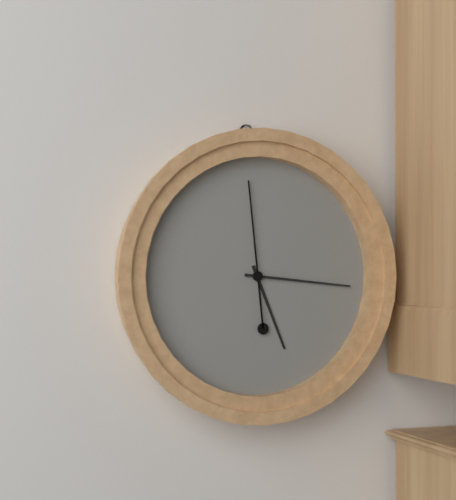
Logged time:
5h16m59s
